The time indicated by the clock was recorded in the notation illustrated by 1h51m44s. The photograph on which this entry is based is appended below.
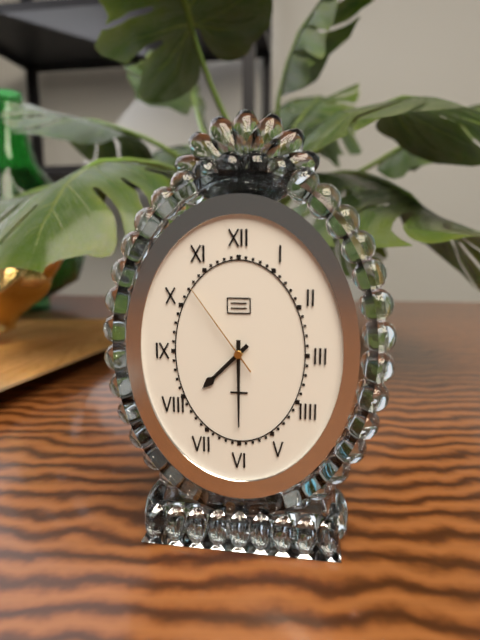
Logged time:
7h30m54s
